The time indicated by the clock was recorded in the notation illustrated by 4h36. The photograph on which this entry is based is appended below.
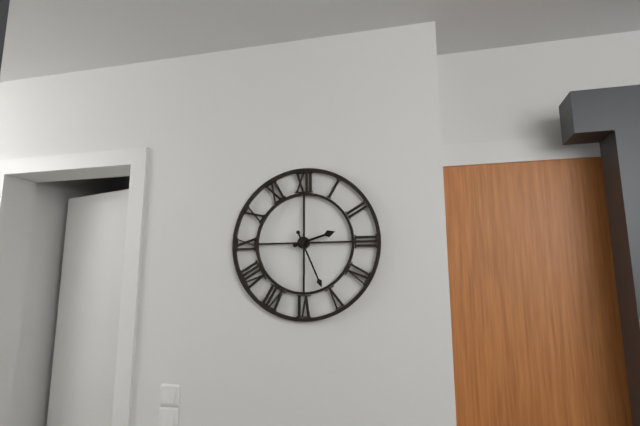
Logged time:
2h26
